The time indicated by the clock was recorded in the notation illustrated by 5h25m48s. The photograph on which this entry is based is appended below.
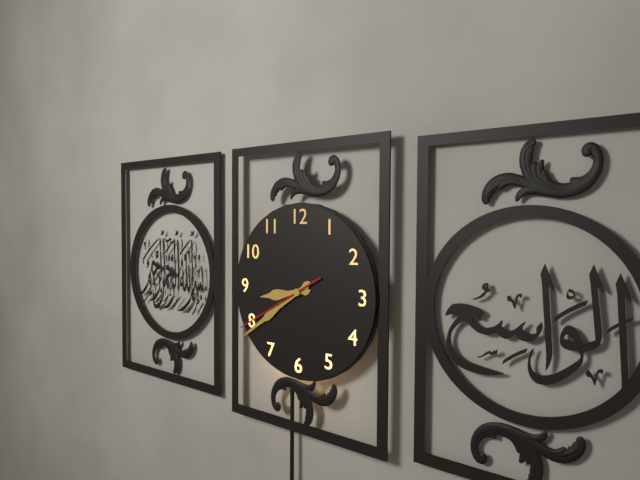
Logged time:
8h39m40s
